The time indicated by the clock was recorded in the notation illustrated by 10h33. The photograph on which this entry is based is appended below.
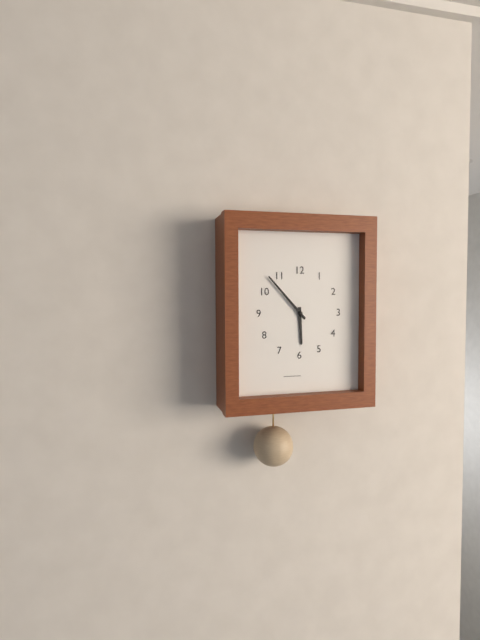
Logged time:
5h53
